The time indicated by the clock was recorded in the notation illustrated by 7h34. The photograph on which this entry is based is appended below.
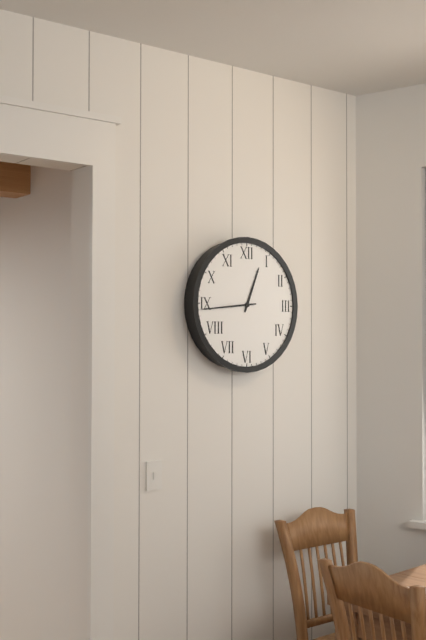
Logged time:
12h44
